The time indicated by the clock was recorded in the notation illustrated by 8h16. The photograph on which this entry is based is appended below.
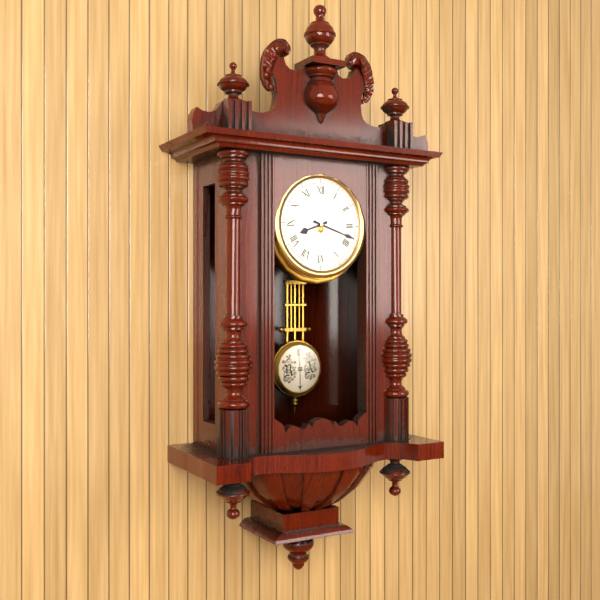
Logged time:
8h18
